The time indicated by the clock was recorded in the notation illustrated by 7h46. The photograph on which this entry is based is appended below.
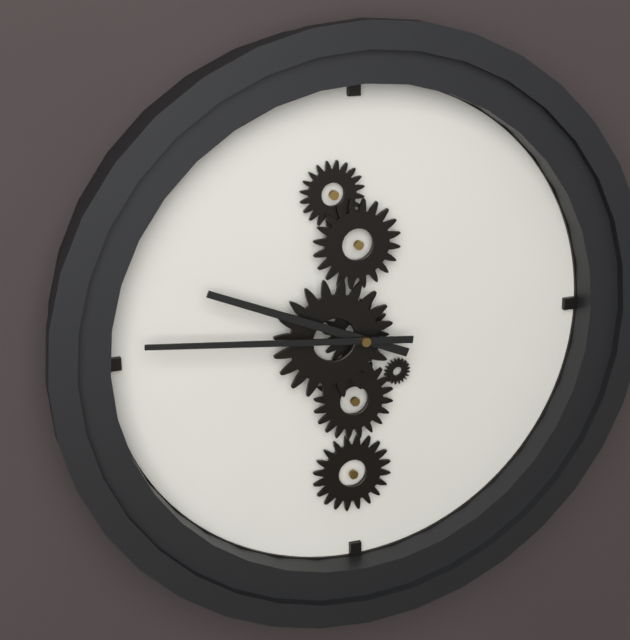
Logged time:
9h46
